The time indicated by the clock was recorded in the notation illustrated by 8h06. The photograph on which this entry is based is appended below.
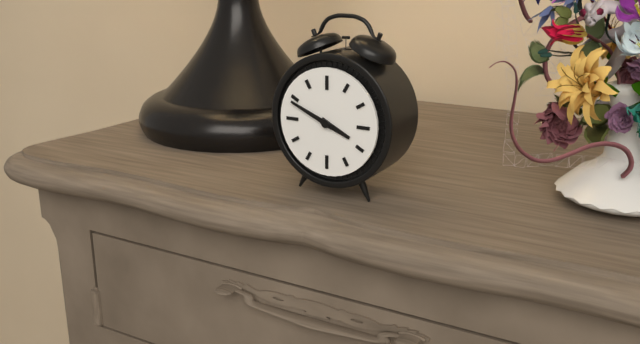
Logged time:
3h49
